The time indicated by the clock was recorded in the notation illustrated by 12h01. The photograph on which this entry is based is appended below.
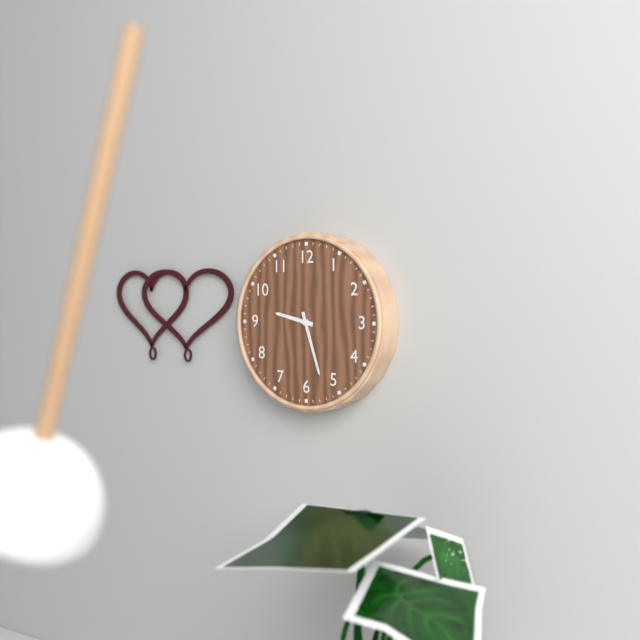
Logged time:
9h27
